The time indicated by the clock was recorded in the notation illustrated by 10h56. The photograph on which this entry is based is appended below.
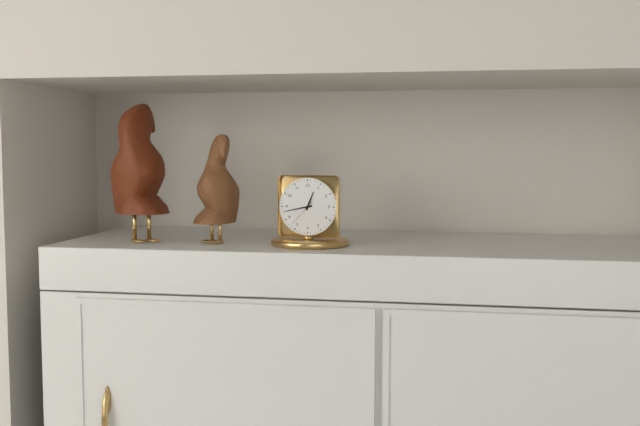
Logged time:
12h43
